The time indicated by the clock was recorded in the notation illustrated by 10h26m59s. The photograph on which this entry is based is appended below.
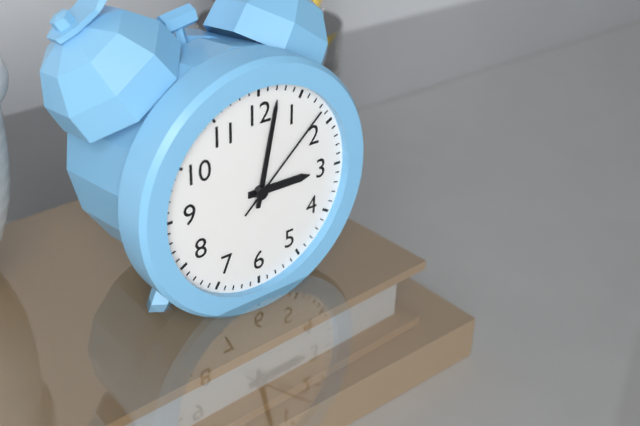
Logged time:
3h02m08s
